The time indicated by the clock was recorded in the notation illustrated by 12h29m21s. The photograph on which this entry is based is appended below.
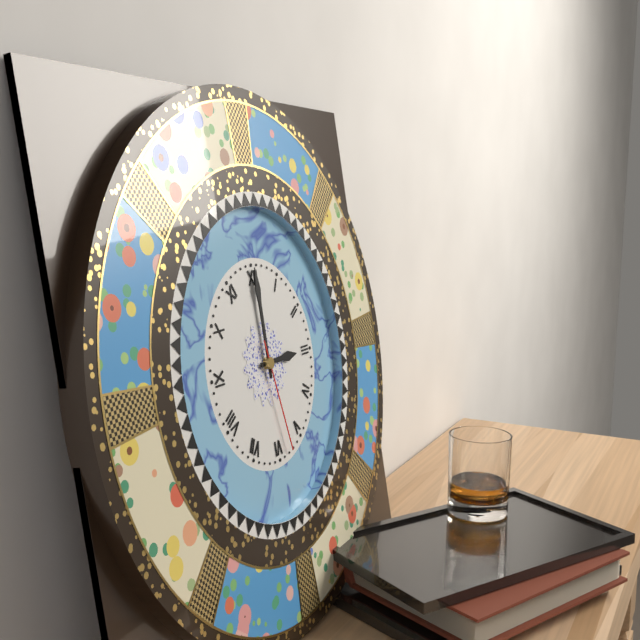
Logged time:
3h00m28s
